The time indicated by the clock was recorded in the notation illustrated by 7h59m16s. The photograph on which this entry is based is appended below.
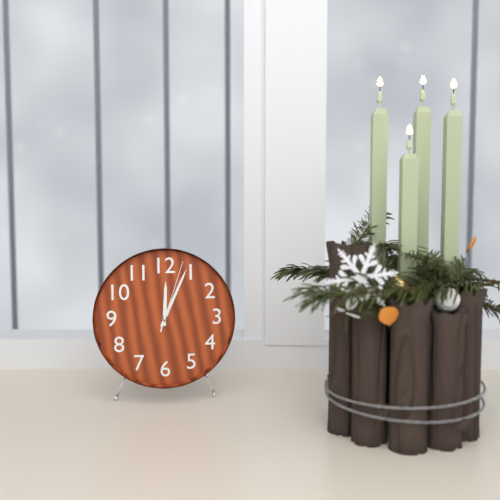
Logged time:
12h04m03s
